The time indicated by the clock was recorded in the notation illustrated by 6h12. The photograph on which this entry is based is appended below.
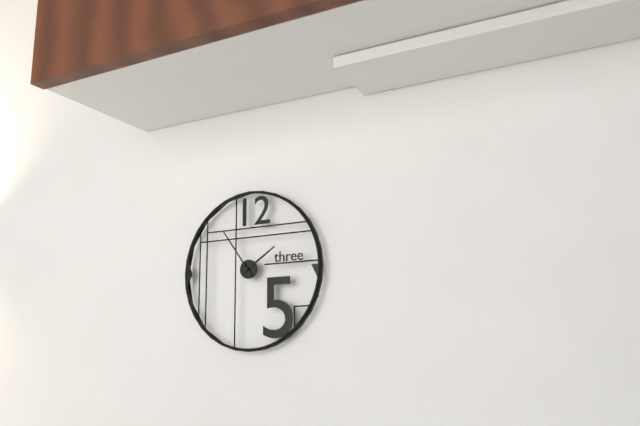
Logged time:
1h54
